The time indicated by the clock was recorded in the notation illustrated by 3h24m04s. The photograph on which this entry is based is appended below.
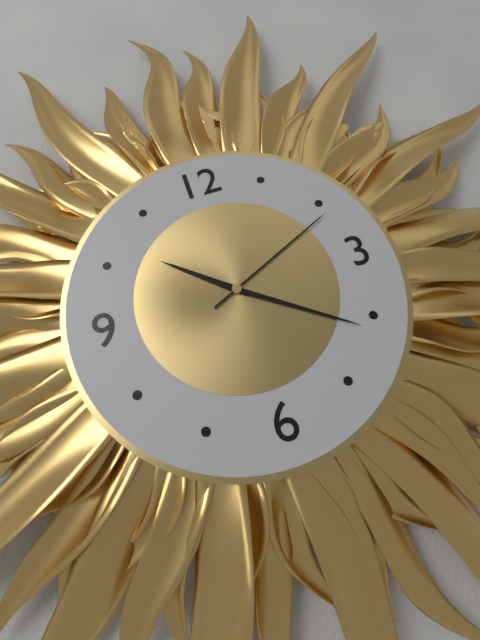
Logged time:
10h21m11s
